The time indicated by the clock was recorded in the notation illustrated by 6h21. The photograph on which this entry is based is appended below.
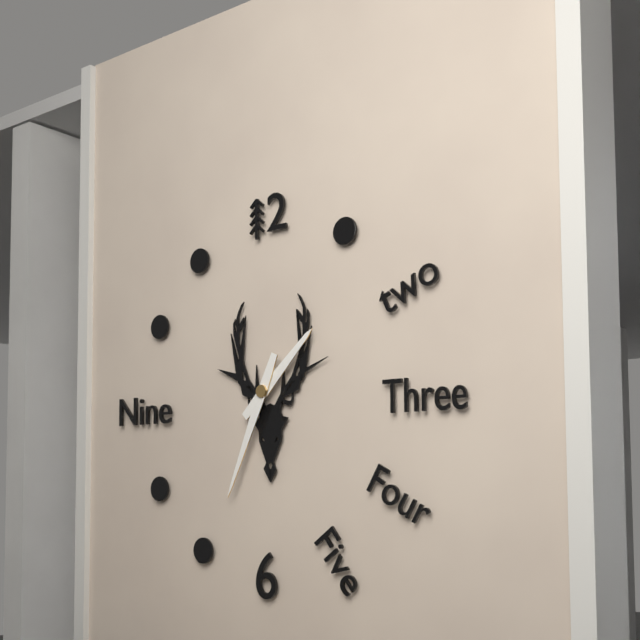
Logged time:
1h34
